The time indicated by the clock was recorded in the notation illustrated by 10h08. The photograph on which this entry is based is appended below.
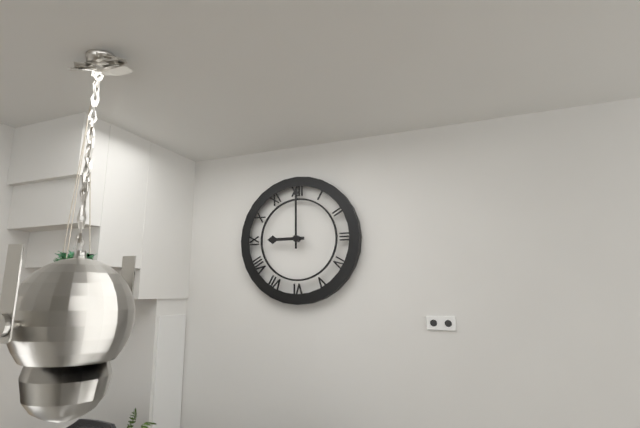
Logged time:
9h00
